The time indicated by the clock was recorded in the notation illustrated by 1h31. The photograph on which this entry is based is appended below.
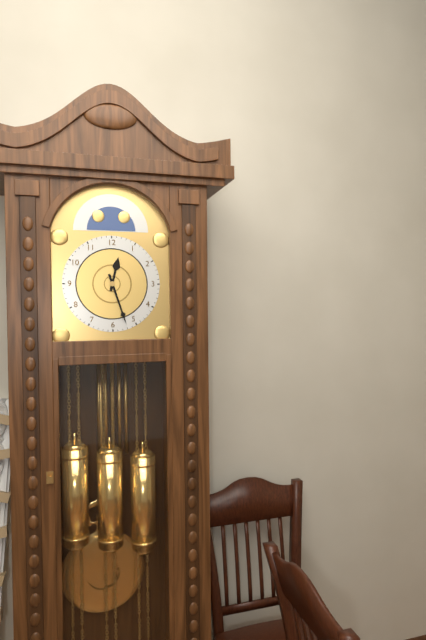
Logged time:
12h27
